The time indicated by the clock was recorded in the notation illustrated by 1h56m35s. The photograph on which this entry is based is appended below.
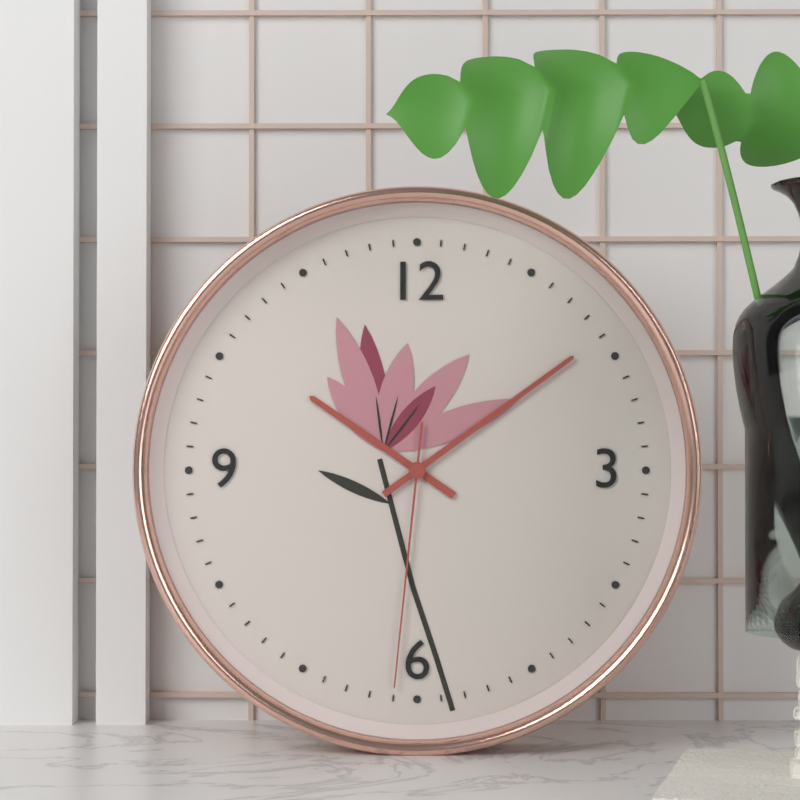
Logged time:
10h09m31s
